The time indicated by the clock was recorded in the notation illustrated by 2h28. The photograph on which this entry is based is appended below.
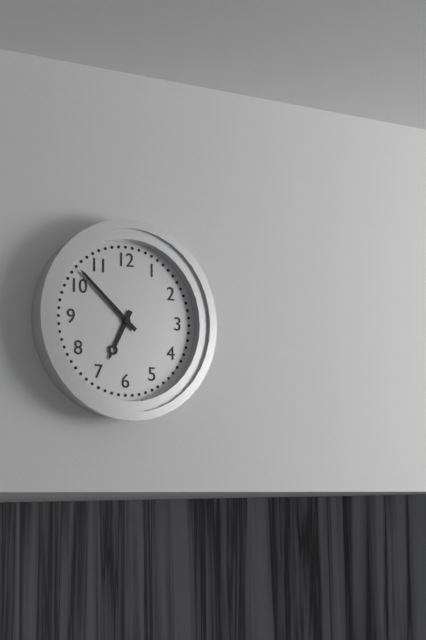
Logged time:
6h52
